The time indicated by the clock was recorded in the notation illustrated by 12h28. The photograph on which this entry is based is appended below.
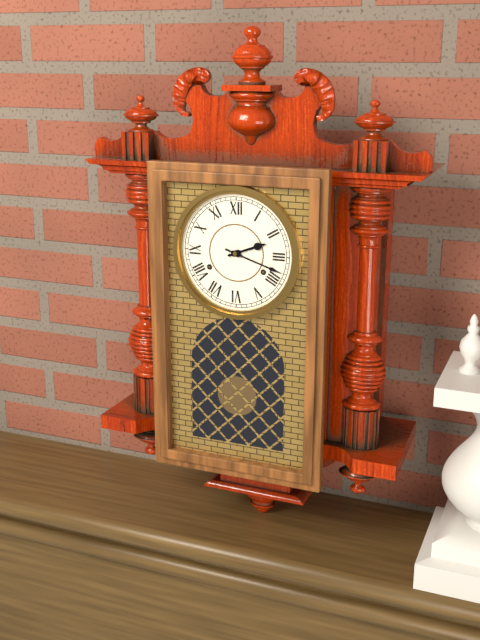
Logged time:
2h18
